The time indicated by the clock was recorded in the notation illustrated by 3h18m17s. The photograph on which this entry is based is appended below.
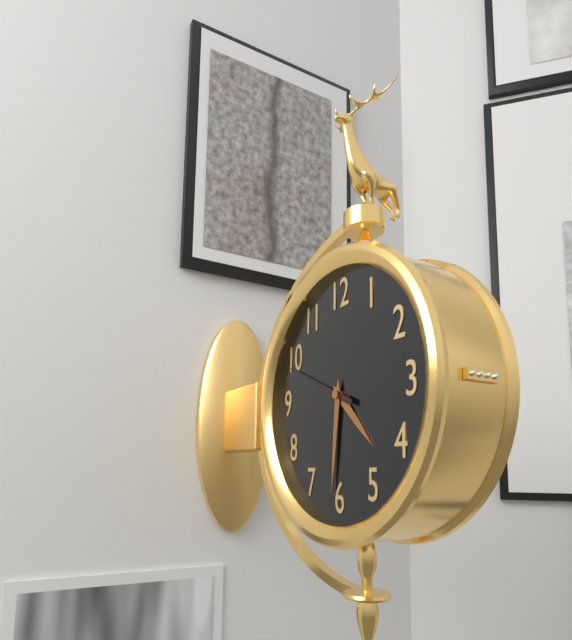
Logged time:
4h31m49s
